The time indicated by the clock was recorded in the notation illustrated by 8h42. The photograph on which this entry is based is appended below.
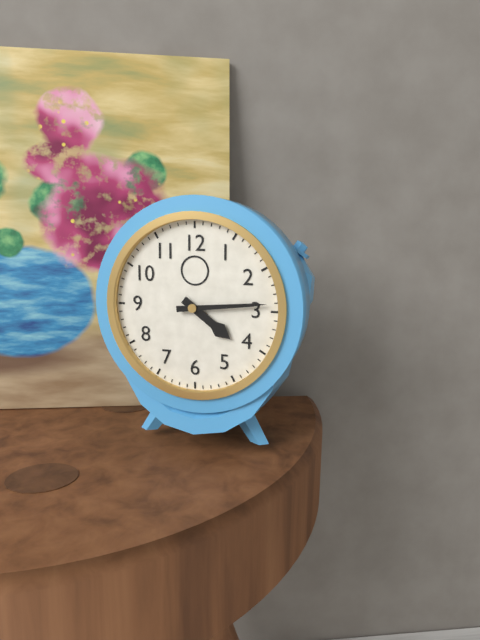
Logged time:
4h14
